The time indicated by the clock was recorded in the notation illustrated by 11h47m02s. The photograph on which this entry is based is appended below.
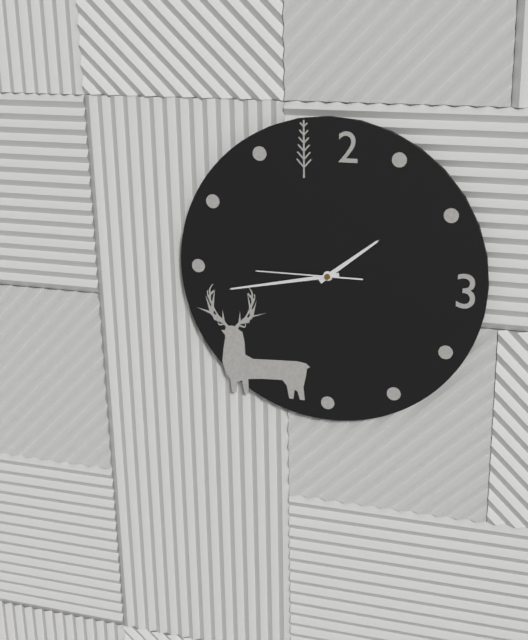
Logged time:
1h43m45s
